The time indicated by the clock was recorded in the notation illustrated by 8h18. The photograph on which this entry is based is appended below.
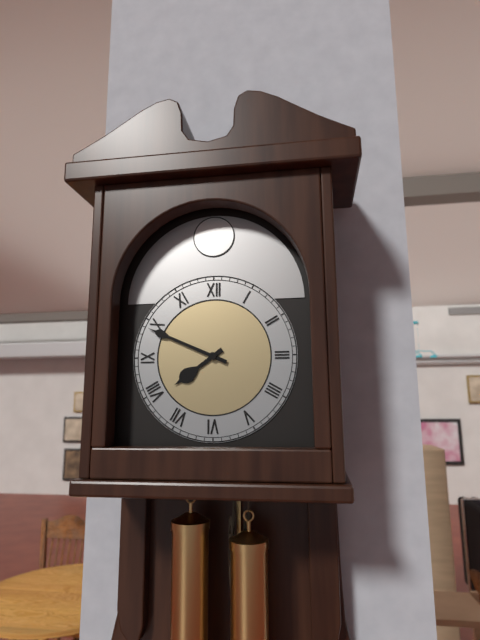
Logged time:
7h49
